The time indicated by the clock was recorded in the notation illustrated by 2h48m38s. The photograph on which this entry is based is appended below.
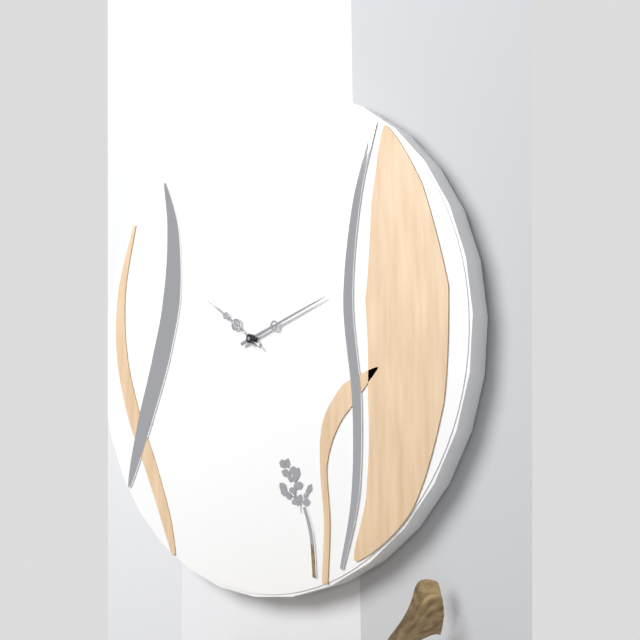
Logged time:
10h12m51s
